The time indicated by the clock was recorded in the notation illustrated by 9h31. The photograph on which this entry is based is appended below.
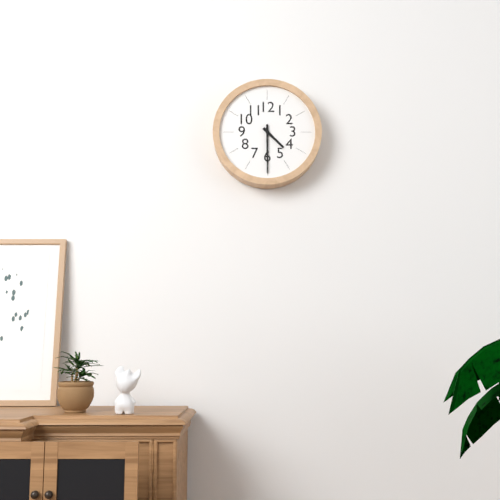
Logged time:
4h30
